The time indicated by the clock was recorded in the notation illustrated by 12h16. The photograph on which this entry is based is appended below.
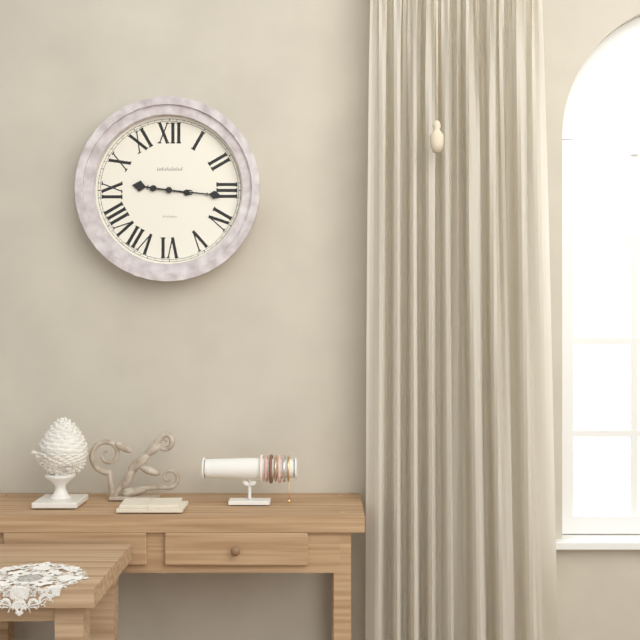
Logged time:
9h16
